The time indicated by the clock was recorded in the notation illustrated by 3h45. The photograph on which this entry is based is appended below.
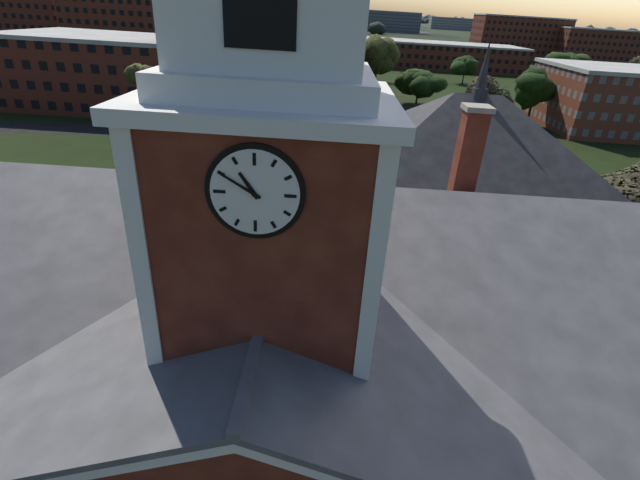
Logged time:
10h50
